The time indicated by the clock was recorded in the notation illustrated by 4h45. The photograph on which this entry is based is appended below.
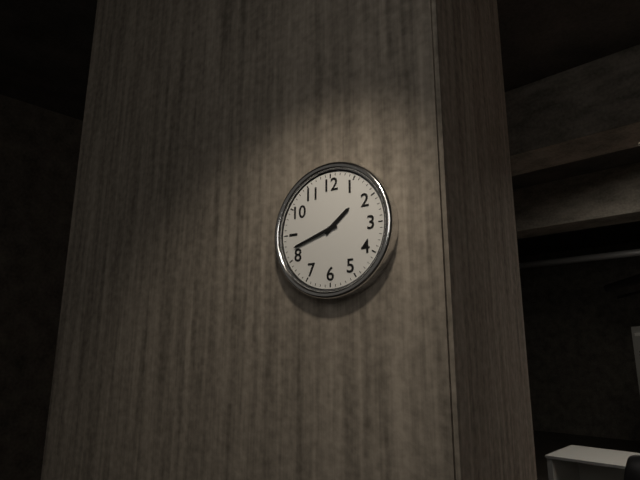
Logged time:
1h42
